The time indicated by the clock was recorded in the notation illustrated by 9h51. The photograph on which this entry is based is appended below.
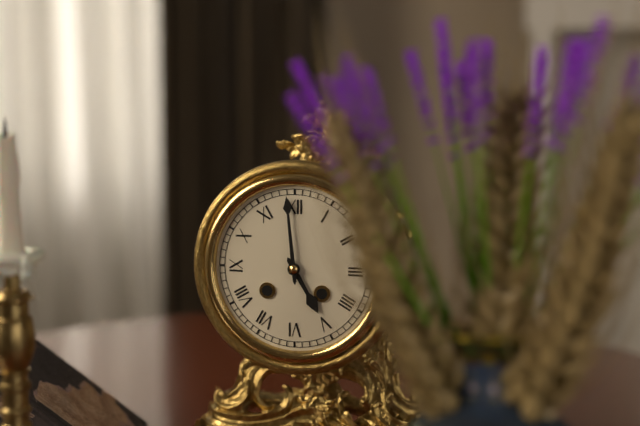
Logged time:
4h59
